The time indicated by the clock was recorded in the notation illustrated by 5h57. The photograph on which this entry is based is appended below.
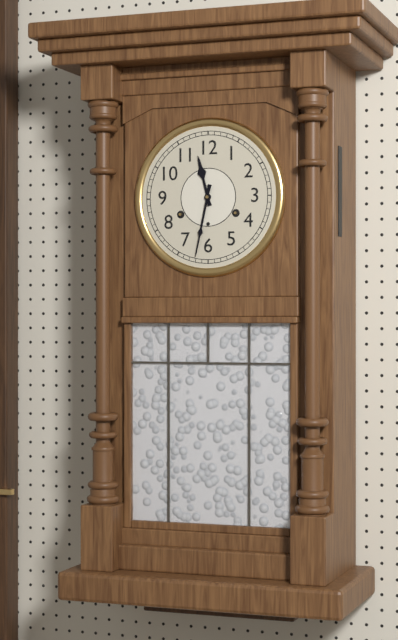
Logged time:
11h32
